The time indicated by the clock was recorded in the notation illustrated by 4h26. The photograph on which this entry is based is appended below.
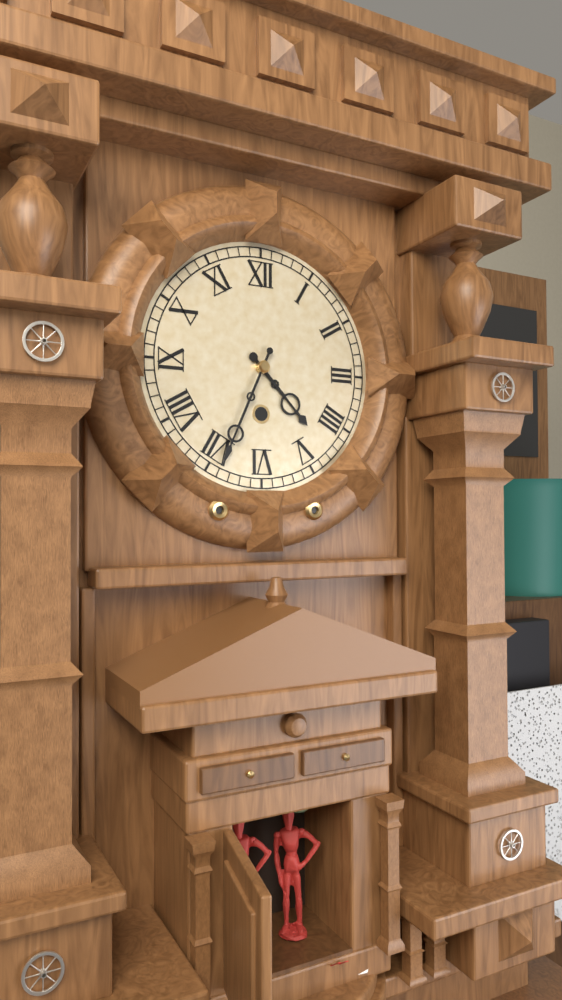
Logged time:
4h34
